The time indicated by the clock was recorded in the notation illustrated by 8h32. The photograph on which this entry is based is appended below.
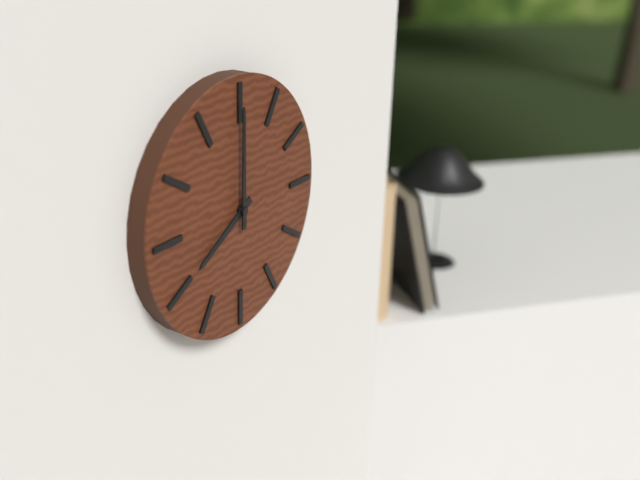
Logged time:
8h00
